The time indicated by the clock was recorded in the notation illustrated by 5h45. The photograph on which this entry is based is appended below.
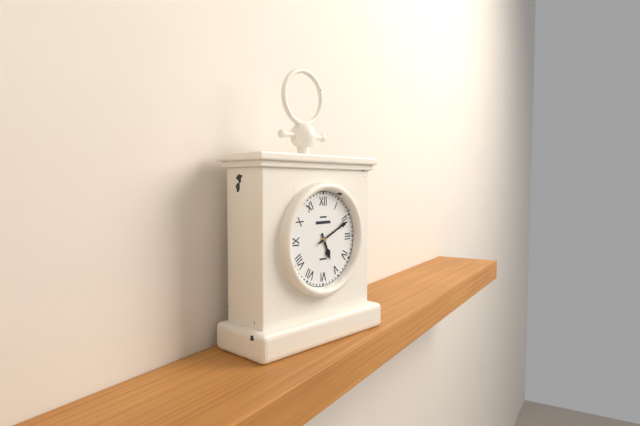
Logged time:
5h11
